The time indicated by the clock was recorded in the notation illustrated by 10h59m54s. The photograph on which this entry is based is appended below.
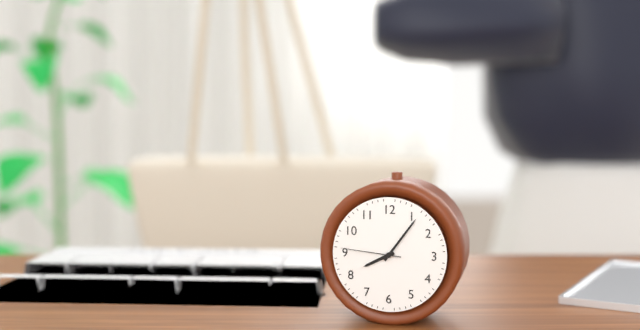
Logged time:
8h06m46s
